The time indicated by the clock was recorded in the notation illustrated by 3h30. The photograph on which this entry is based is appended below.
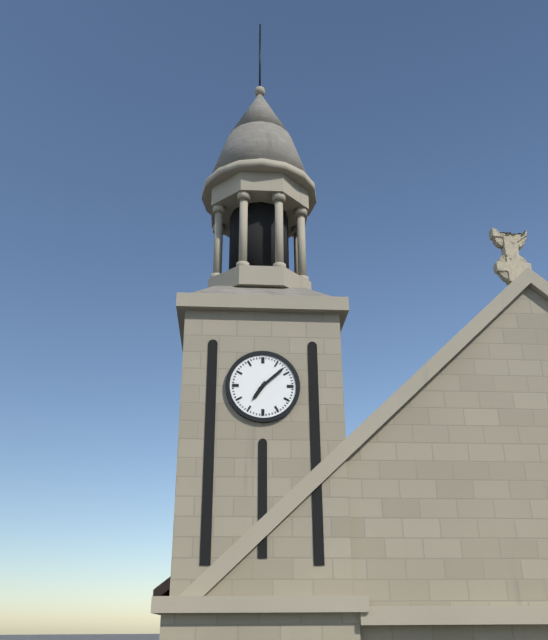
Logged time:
7h08
